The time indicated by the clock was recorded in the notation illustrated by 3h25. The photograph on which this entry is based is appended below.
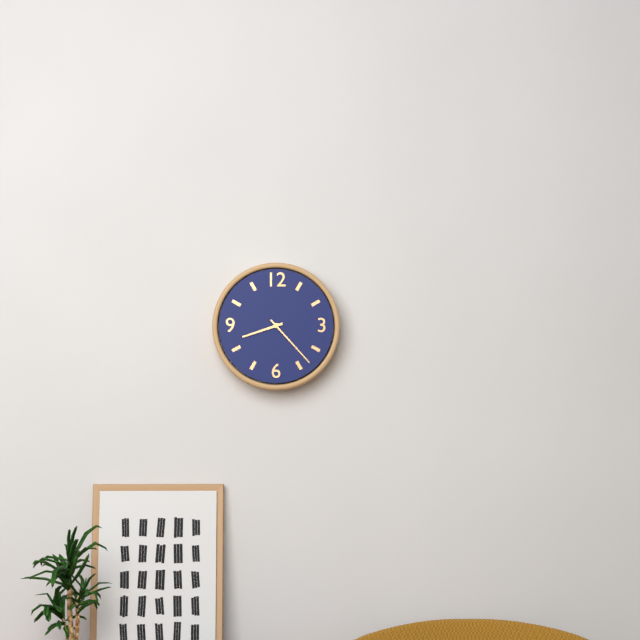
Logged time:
8h23
